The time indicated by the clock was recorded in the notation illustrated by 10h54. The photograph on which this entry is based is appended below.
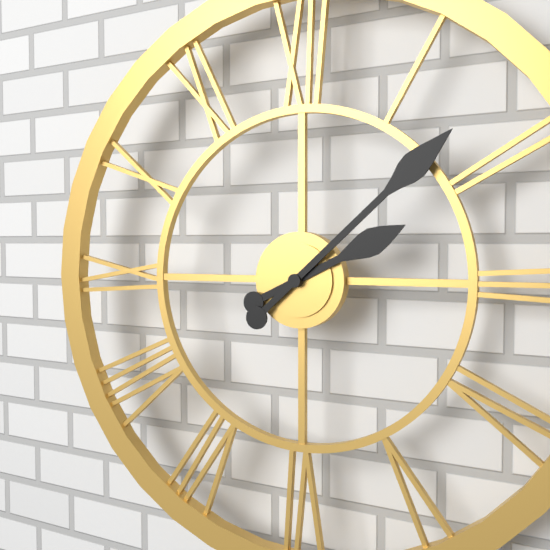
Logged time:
2h08
